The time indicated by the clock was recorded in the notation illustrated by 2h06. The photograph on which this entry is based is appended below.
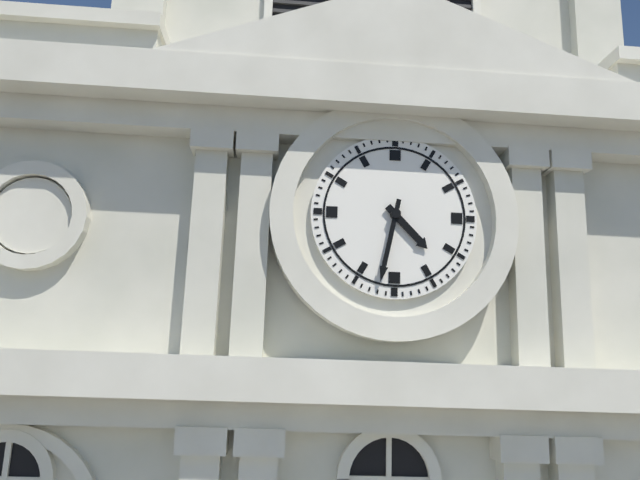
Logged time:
4h32
